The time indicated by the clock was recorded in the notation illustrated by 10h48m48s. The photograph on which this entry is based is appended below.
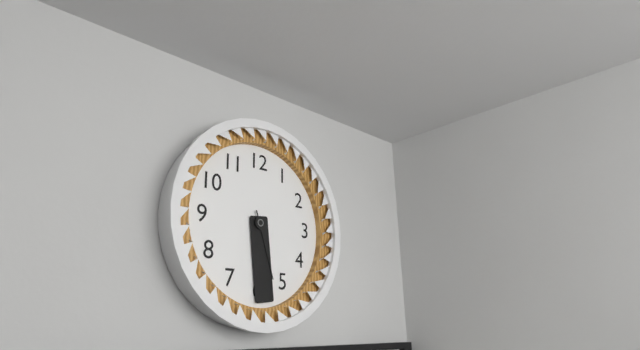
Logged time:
5h29m27s
